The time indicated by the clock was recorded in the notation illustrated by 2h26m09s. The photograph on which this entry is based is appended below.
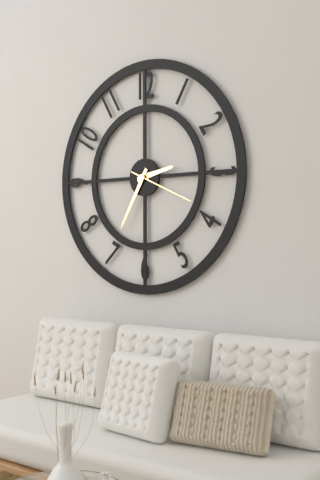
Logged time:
2h35m19s
